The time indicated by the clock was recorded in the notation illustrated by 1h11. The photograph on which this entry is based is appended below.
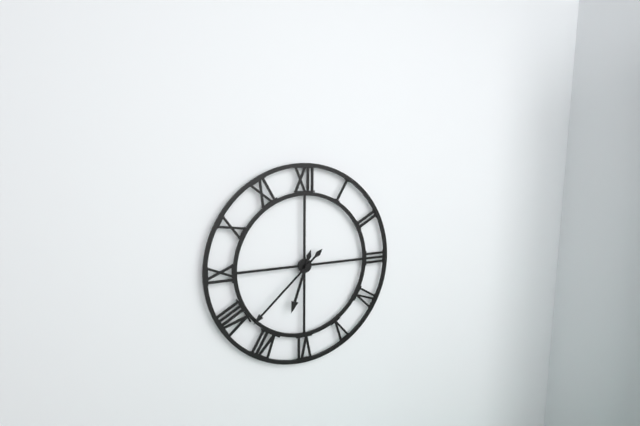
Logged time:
6h38
